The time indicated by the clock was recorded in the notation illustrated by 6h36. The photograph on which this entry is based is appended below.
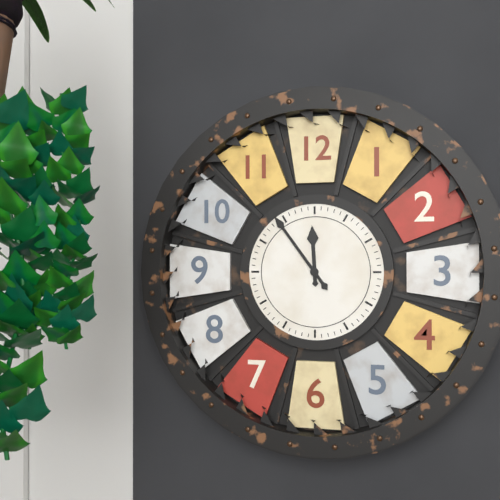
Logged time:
11h54
